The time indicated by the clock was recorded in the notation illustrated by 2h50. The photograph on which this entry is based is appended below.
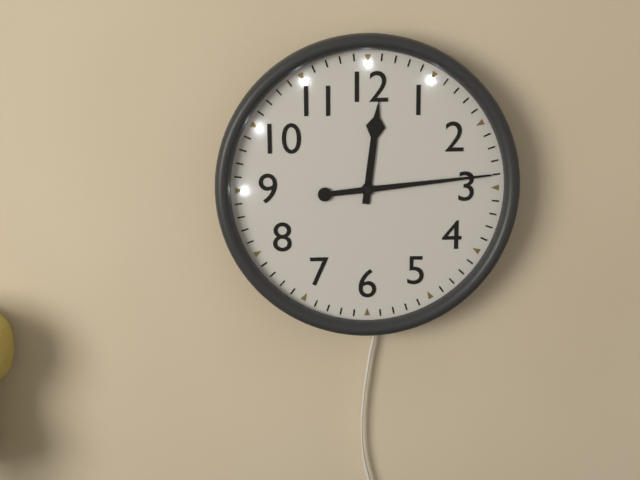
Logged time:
12h14
